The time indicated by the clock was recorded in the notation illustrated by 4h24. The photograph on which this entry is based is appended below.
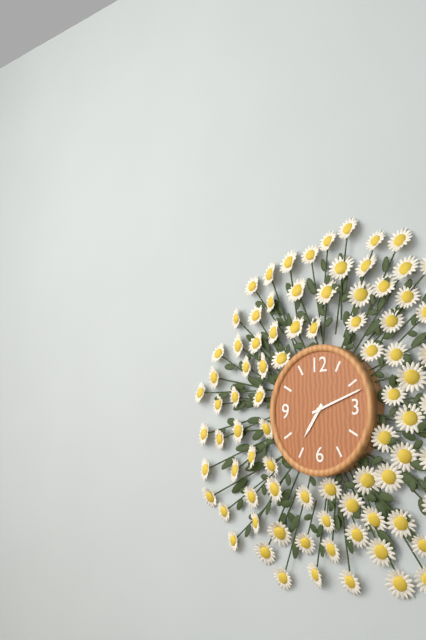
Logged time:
7h12
